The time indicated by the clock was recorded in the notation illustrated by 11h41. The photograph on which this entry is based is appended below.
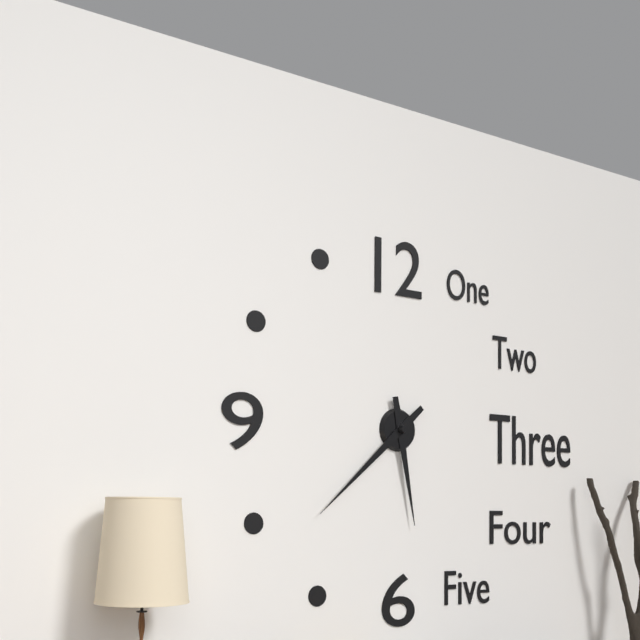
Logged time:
5h38
